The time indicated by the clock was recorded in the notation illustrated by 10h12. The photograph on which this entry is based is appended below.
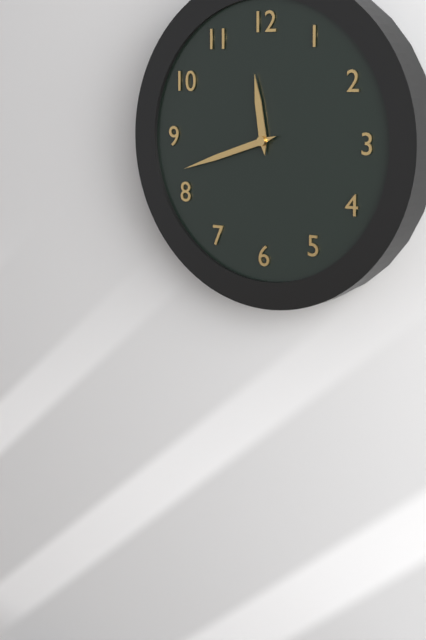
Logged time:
11h42
